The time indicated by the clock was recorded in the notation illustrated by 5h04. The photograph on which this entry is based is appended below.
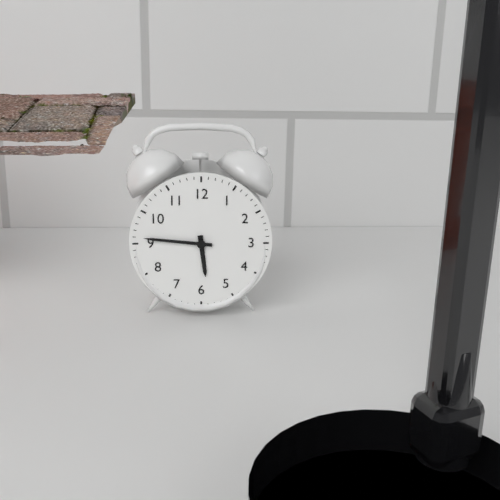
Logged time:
5h46
